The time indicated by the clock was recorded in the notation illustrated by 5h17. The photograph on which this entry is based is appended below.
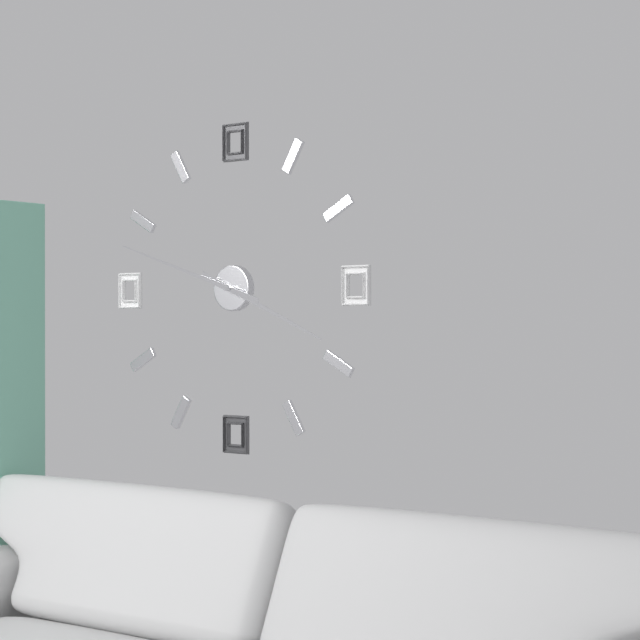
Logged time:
3h48
